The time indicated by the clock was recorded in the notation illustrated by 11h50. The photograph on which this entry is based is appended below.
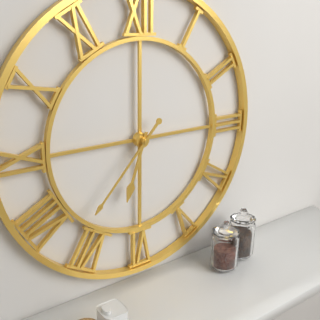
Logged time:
6h37
